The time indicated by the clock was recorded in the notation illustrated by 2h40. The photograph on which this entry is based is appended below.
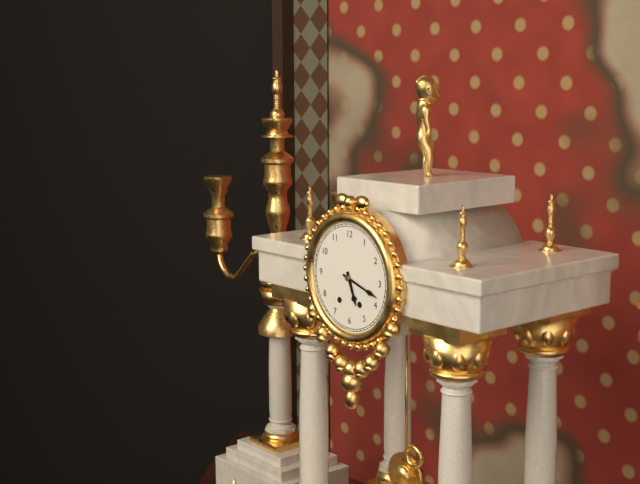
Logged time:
5h18
